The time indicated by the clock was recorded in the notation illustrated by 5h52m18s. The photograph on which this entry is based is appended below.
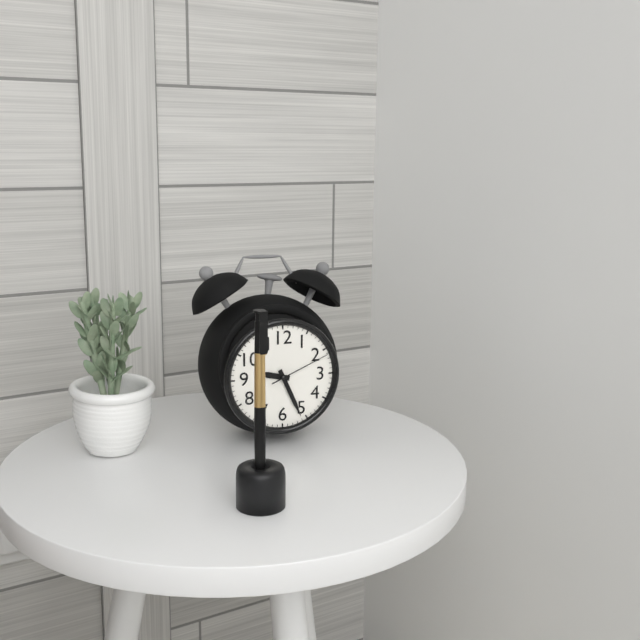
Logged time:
9h26m11s
